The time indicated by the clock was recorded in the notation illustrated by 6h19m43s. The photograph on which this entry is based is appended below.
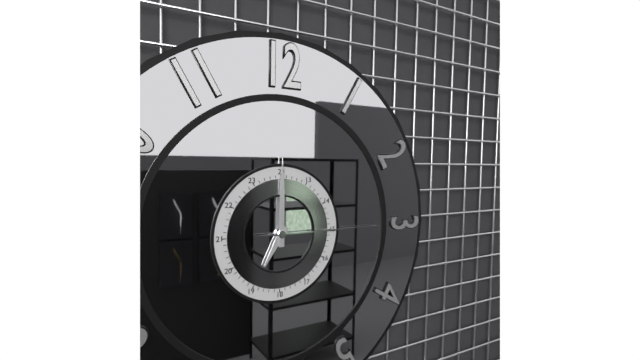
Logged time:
7h00m15s
